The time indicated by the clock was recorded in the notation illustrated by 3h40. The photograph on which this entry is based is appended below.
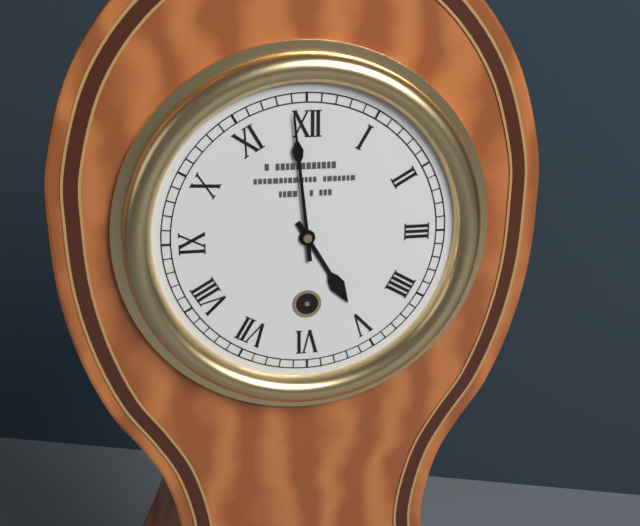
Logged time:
4h59
